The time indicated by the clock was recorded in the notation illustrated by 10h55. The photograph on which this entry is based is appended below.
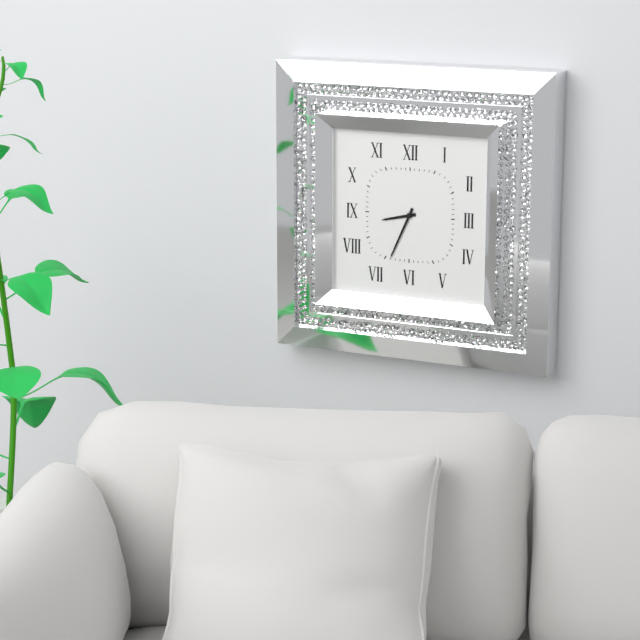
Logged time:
8h34
